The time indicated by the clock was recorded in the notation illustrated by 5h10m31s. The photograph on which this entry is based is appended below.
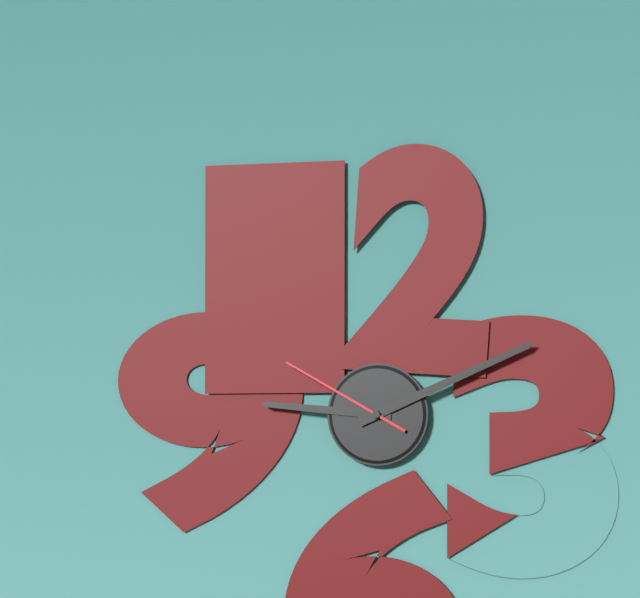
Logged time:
9h11m50s
